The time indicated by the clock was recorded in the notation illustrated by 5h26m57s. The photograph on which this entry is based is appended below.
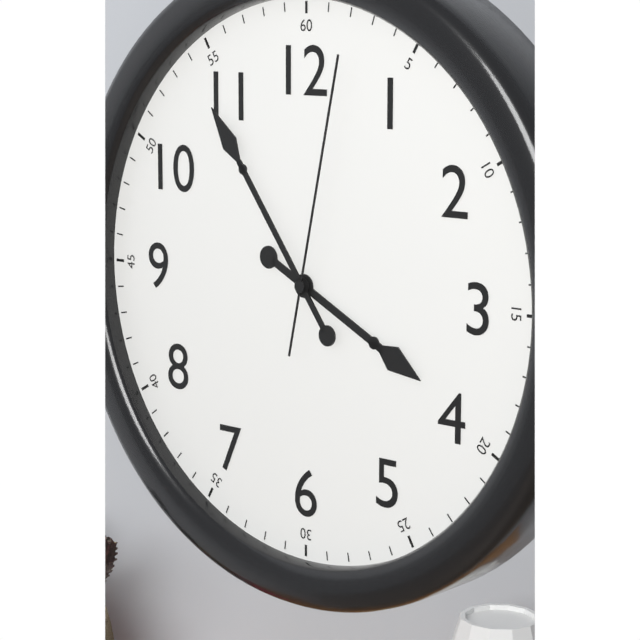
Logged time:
3h54m02s
